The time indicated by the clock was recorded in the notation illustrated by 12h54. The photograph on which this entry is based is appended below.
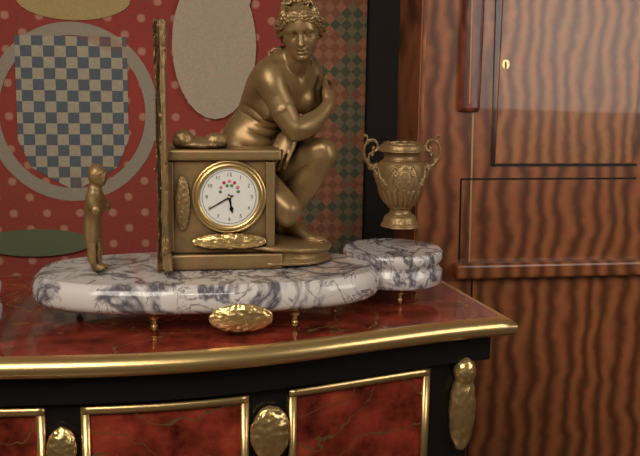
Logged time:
5h40
